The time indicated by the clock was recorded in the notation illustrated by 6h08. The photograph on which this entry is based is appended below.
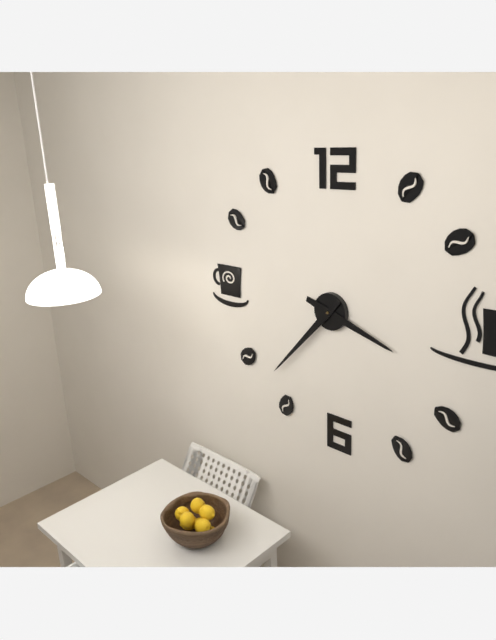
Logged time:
3h37
